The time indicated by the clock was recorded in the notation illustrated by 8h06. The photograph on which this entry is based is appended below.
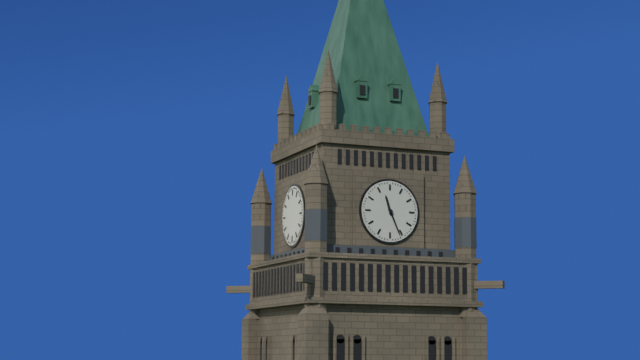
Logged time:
11h26
